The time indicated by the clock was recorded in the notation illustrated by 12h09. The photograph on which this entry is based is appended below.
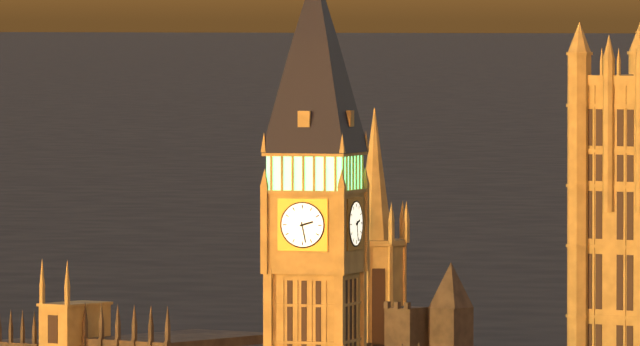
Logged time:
2h28
